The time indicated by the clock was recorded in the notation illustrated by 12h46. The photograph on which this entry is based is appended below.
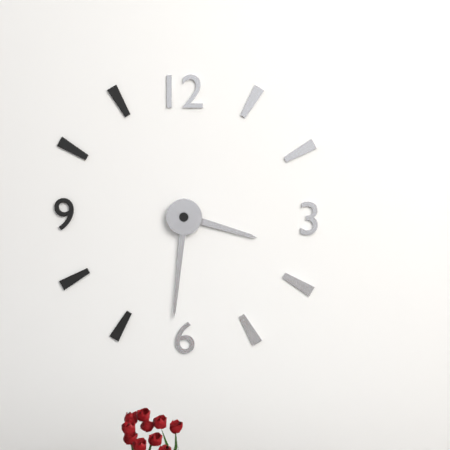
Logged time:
3h31
